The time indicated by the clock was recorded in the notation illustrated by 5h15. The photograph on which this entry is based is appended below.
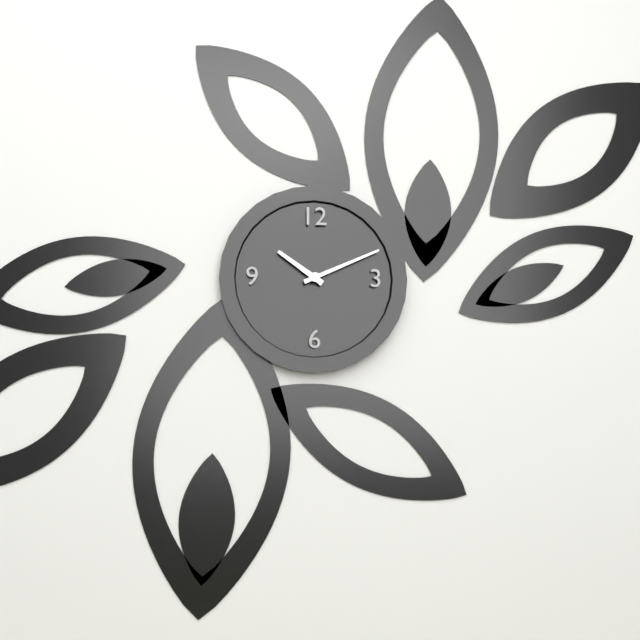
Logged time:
10h11
